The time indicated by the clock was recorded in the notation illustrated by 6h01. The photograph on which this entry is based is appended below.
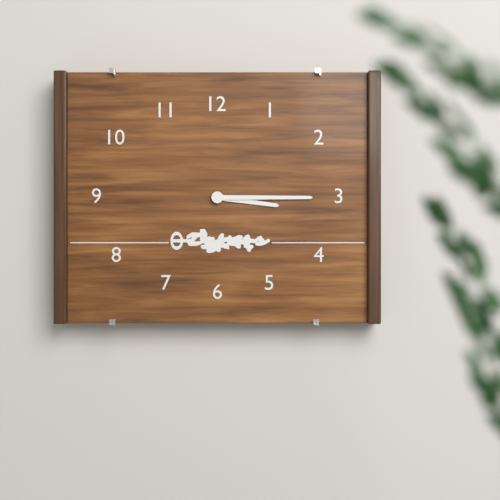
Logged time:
3h15
